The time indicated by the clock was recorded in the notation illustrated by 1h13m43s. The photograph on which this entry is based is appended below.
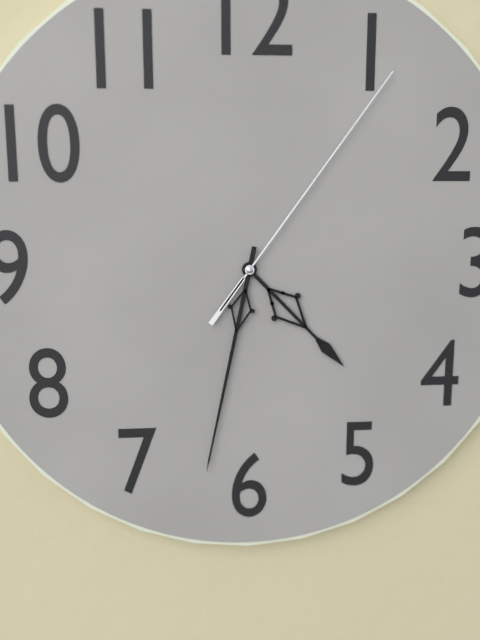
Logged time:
4h32m06s
